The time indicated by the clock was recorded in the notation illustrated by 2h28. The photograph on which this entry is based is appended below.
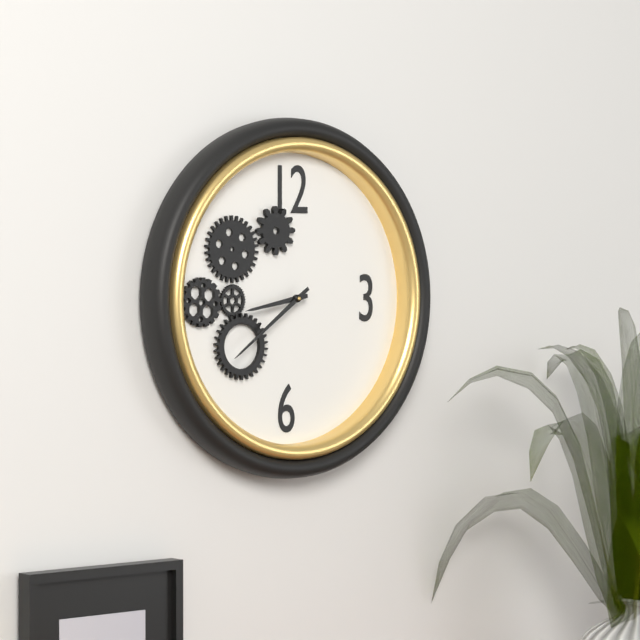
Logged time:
8h39
